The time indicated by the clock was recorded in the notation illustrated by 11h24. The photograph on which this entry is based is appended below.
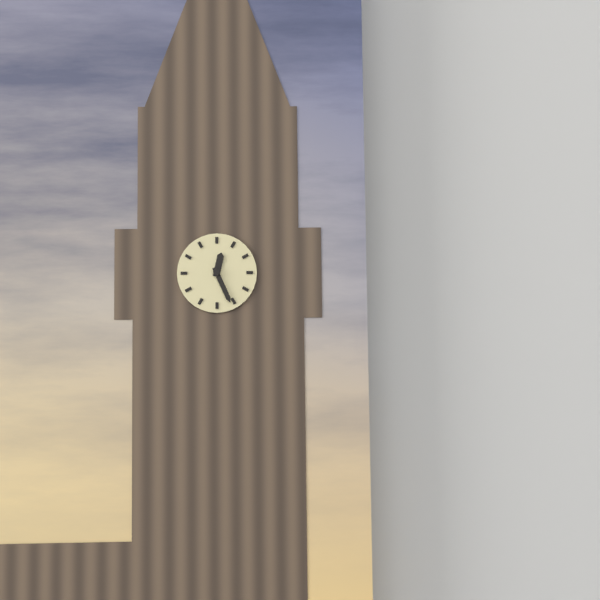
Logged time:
12h26
